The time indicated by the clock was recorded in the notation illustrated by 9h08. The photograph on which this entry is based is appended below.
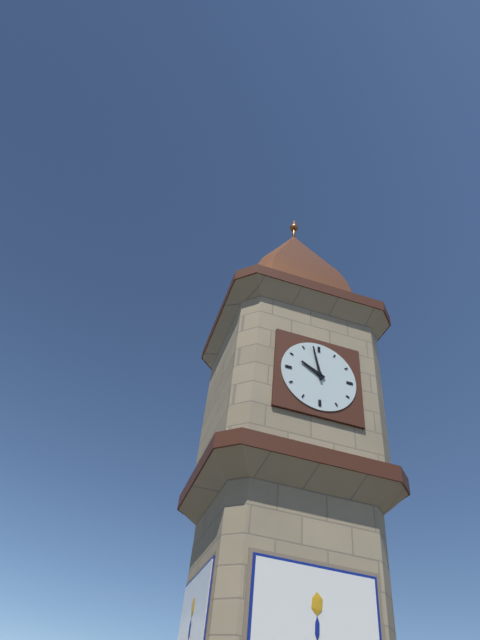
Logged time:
9h58
